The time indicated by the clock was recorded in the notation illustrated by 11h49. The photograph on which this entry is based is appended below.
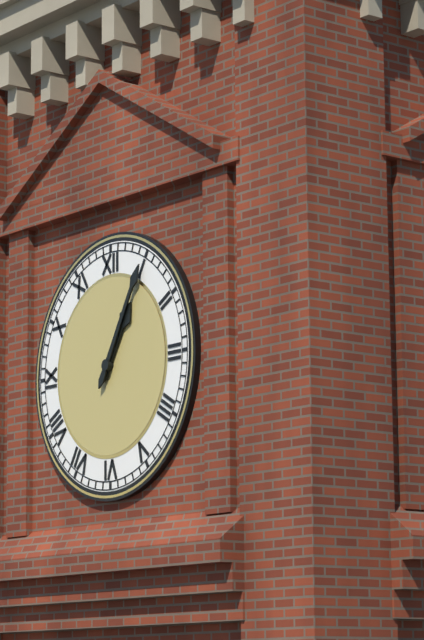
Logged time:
1h05
